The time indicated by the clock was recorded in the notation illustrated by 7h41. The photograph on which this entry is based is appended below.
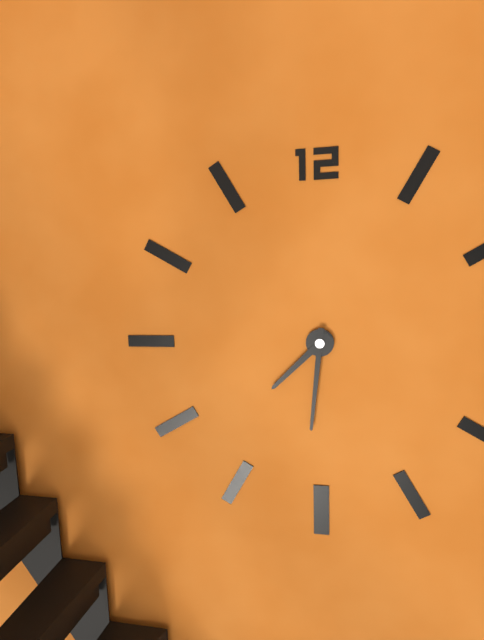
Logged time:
7h31
